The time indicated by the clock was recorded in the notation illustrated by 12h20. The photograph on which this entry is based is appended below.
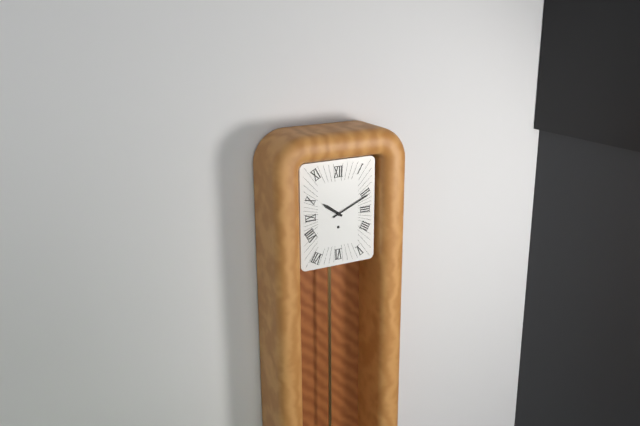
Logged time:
10h11
